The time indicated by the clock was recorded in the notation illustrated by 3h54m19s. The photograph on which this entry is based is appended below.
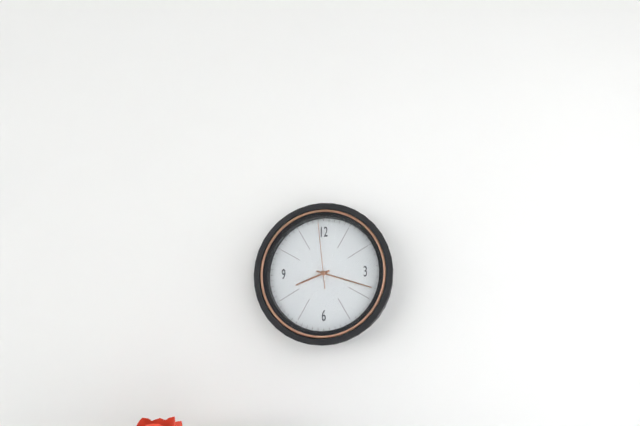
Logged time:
8h18m59s
